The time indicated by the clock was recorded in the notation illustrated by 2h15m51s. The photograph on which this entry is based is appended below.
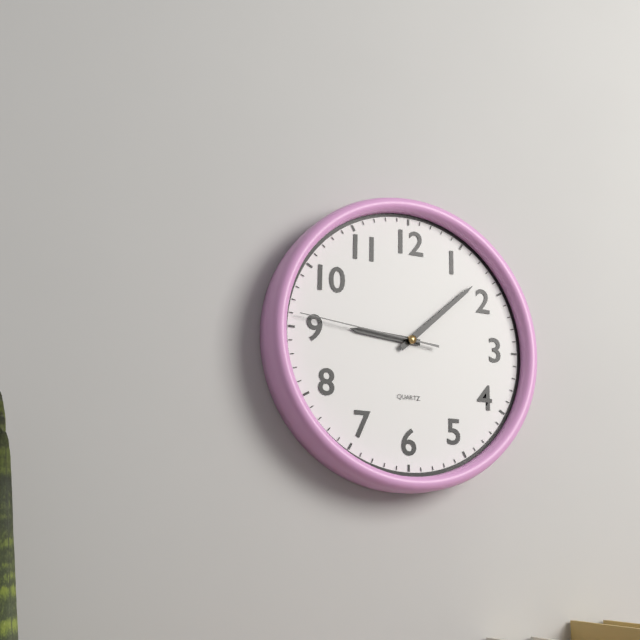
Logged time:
9h08m46s
